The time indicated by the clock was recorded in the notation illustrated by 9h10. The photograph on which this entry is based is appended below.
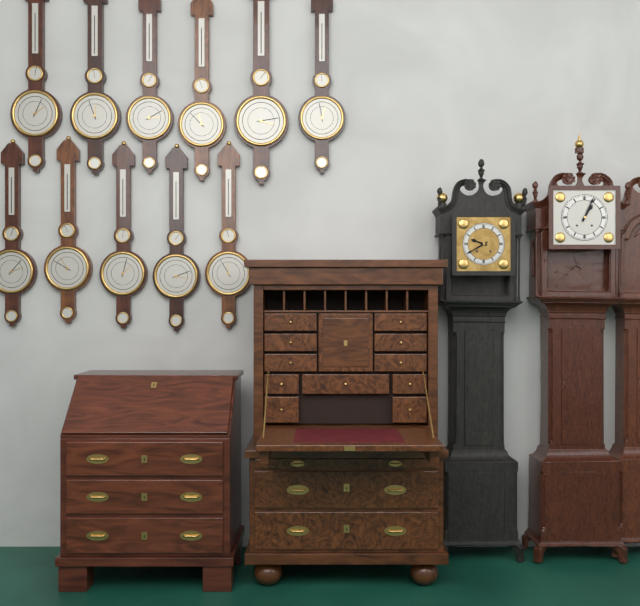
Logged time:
1h04
